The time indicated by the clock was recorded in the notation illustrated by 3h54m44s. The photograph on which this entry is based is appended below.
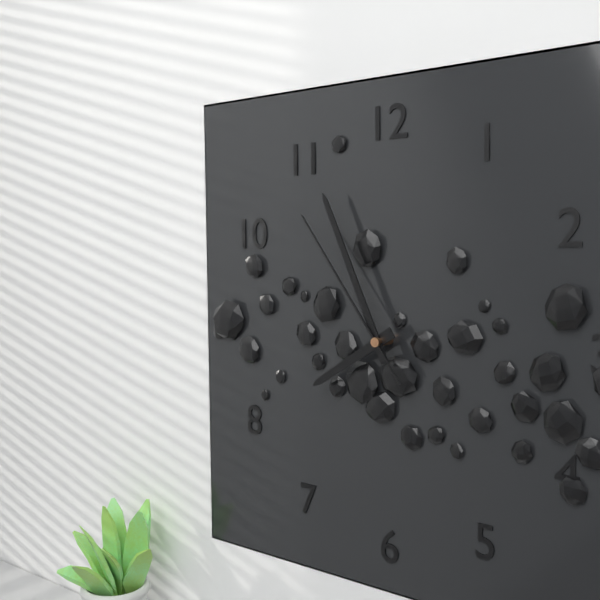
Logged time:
7h56m54s
